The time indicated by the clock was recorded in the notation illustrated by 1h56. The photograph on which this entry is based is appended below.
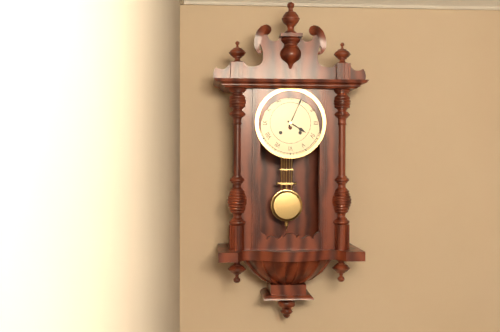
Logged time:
4h04
